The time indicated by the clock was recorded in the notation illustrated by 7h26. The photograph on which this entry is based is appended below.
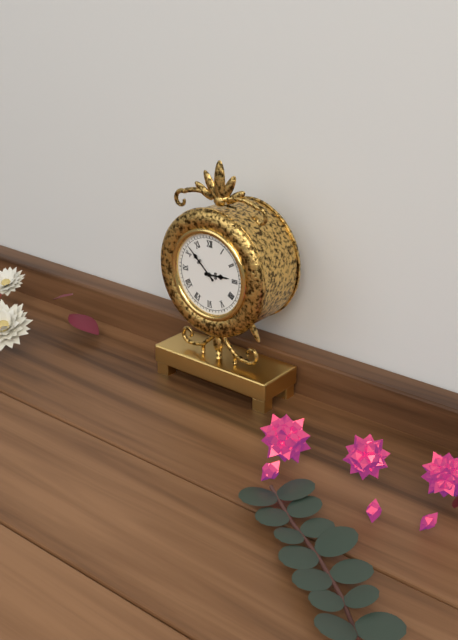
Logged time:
2h52
